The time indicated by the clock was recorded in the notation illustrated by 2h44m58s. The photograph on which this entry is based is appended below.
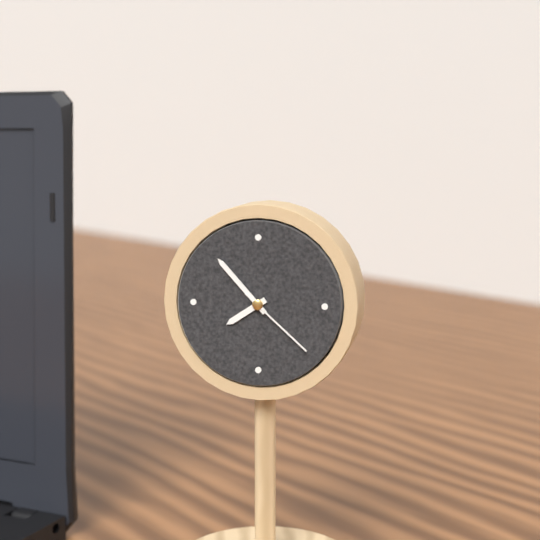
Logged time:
7h53m22s
